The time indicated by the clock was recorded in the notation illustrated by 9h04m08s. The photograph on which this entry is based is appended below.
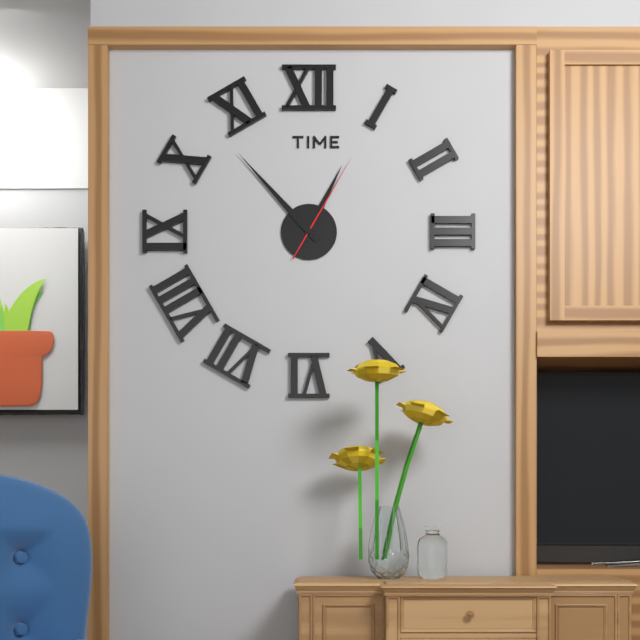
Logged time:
12h53m05s
